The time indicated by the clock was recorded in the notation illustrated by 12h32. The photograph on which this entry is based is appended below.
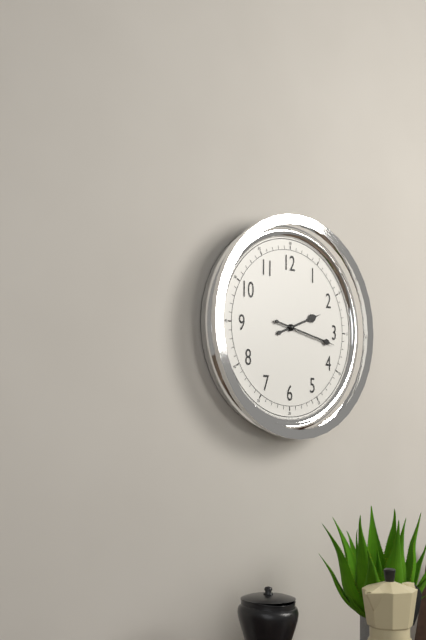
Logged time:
2h17
